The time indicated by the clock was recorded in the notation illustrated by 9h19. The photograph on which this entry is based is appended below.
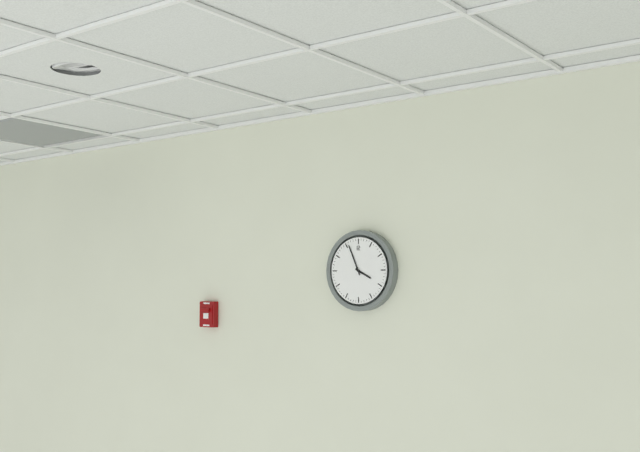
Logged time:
3h56
